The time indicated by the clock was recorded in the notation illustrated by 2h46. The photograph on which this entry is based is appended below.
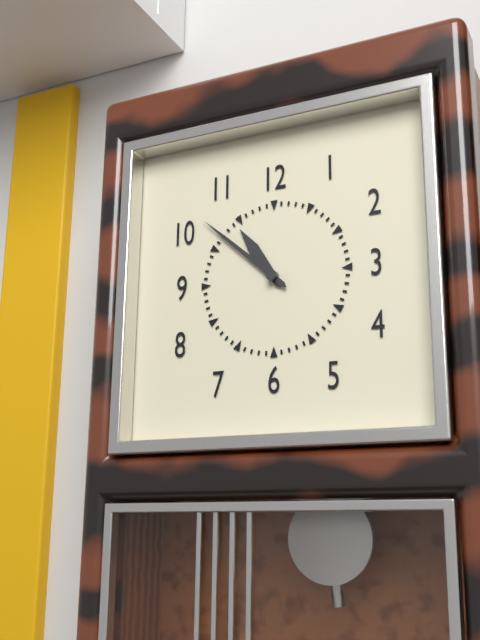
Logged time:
10h52
